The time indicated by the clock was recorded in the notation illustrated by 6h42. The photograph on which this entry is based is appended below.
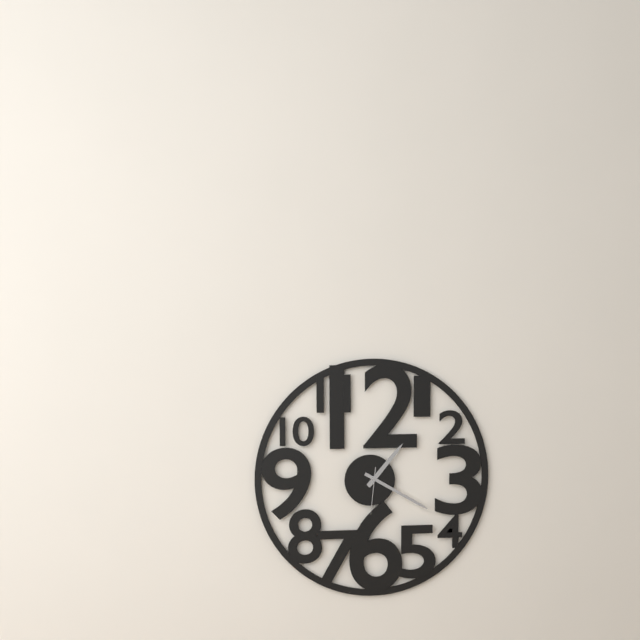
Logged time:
1h20
